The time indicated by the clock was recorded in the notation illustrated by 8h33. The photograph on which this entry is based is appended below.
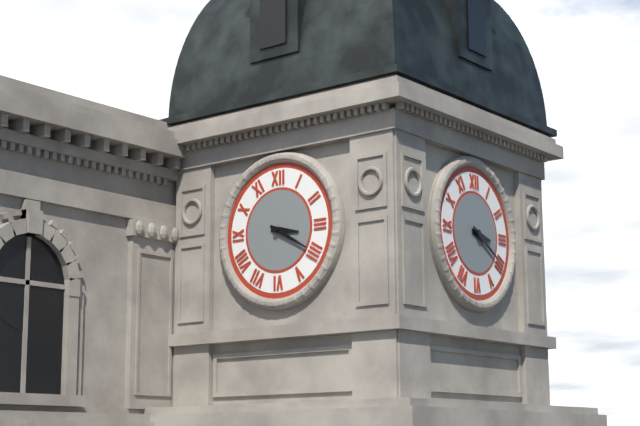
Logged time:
3h20
